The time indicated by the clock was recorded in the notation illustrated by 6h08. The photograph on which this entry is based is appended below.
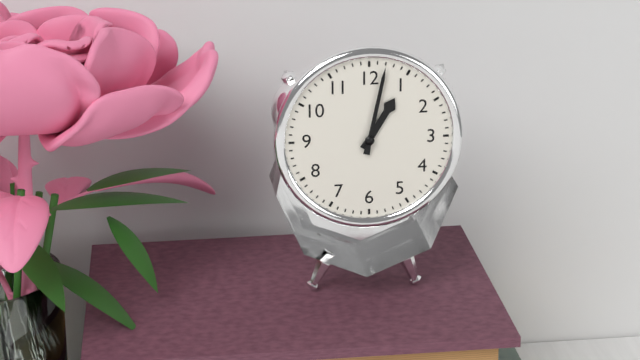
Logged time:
1h02
